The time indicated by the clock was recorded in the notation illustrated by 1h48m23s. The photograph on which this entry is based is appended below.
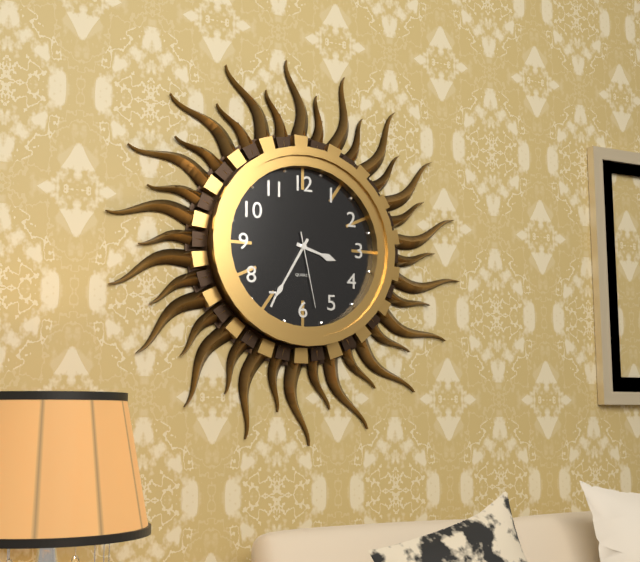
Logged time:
3h35m28s
